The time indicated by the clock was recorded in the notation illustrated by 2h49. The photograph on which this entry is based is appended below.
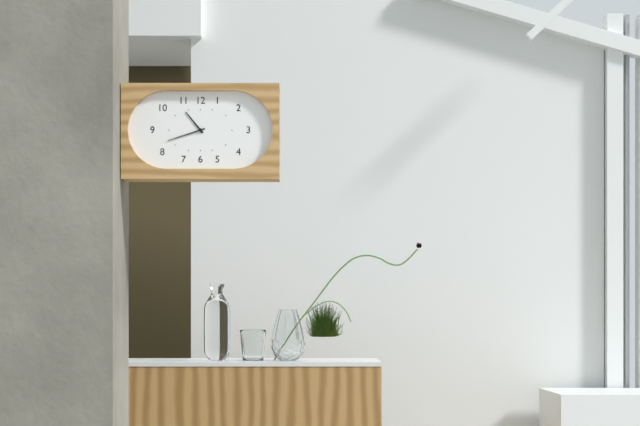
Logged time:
10h42
